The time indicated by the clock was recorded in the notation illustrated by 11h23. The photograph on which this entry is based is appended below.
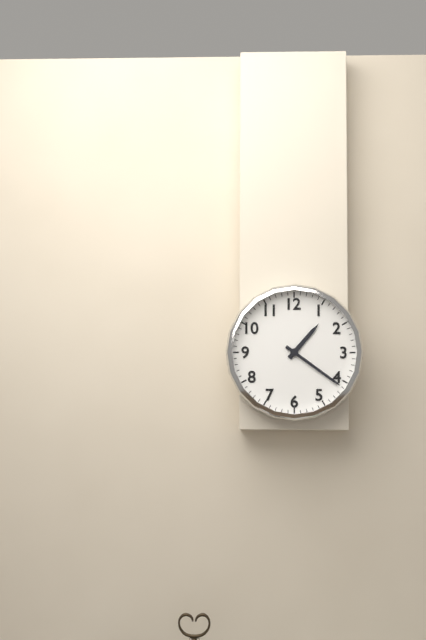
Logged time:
1h21
